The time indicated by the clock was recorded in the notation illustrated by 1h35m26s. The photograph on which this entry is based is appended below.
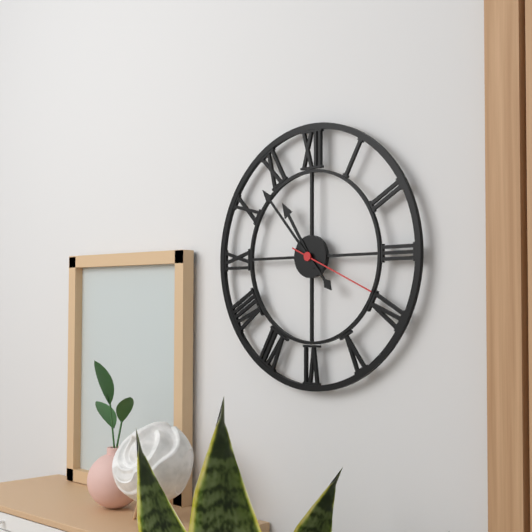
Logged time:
10h53m19s
